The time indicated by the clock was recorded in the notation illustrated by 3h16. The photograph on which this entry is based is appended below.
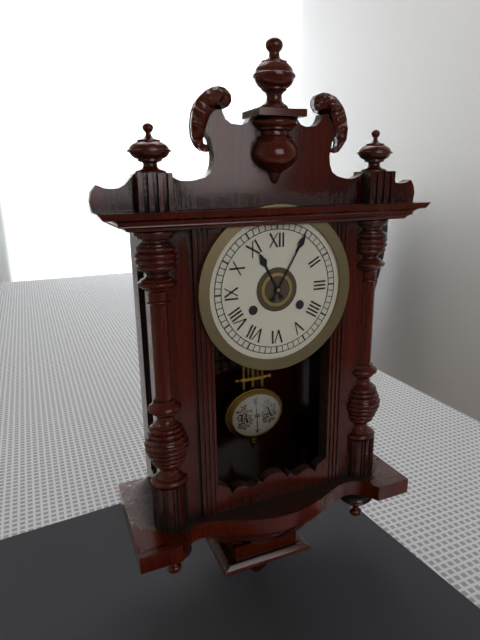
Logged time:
11h05
